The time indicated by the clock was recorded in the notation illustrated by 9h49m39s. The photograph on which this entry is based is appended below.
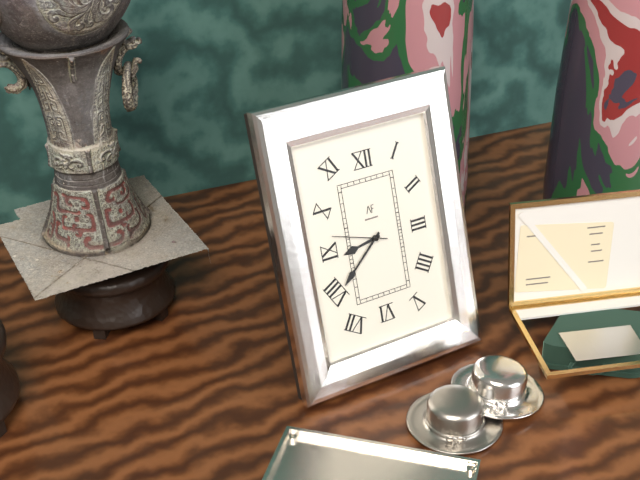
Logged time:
8h38m48s
